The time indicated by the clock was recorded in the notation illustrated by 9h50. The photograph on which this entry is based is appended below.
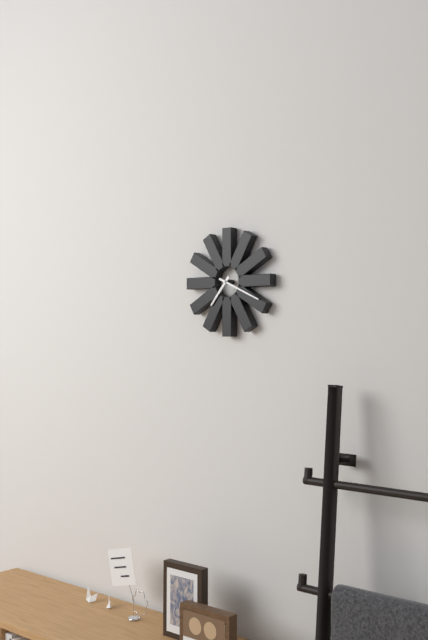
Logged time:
7h19
